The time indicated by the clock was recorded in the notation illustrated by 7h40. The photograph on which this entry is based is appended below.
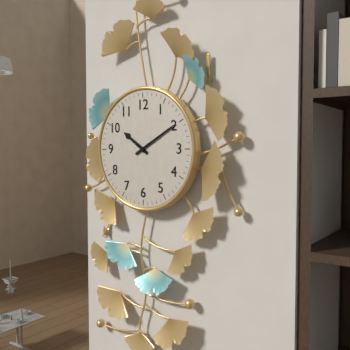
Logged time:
10h10
